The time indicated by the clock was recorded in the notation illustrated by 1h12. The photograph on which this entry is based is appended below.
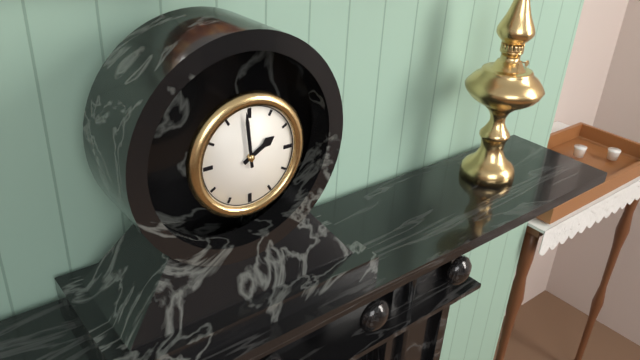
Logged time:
1h59
